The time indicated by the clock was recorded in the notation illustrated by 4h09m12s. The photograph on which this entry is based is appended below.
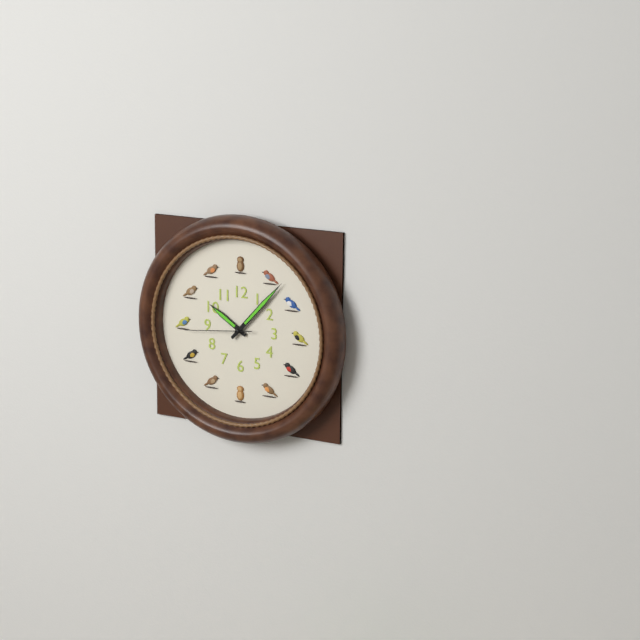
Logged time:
10h07m44s
